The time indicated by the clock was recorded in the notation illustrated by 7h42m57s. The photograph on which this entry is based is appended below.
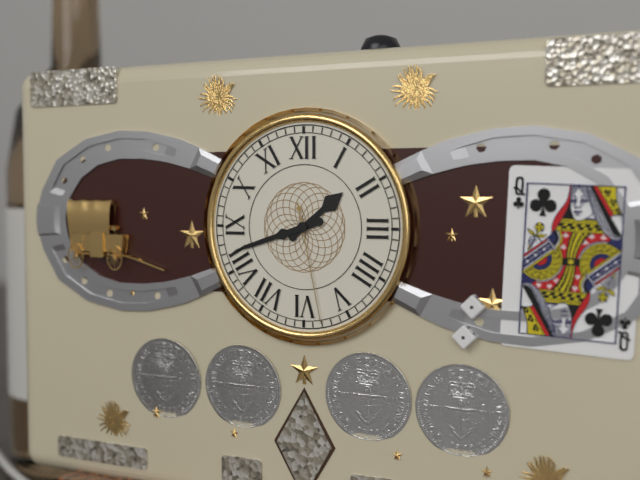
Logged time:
1h42m28s
